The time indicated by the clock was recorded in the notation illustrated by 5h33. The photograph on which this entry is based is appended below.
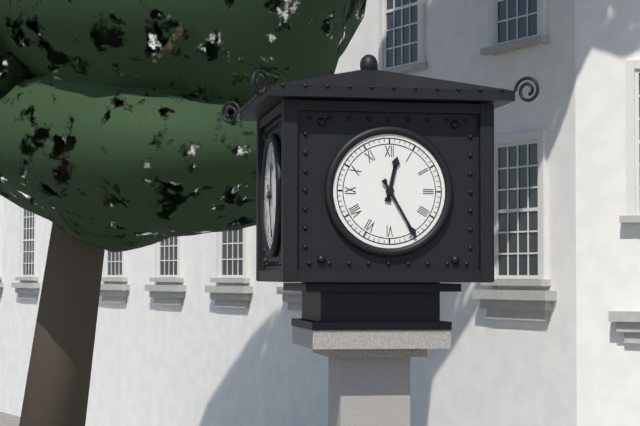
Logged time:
12h25
